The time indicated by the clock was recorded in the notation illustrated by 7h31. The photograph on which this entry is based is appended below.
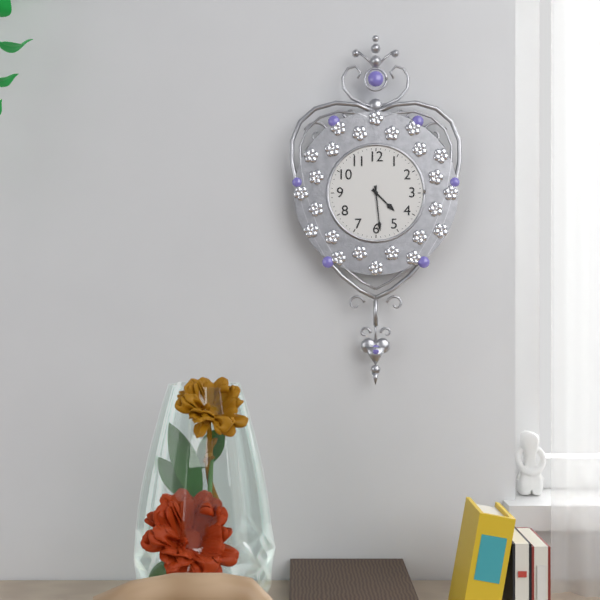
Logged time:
4h29
